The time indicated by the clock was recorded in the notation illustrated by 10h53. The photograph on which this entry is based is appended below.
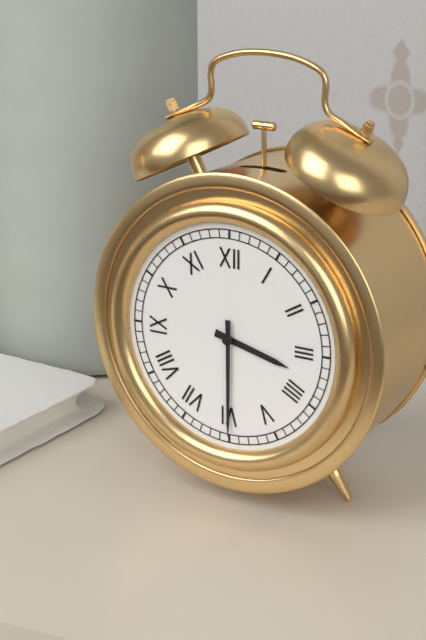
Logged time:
3h30
